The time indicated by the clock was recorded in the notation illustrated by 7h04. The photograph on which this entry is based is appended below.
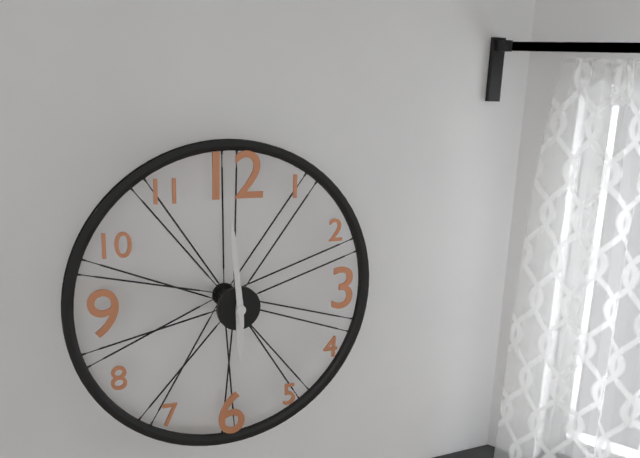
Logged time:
5h59
